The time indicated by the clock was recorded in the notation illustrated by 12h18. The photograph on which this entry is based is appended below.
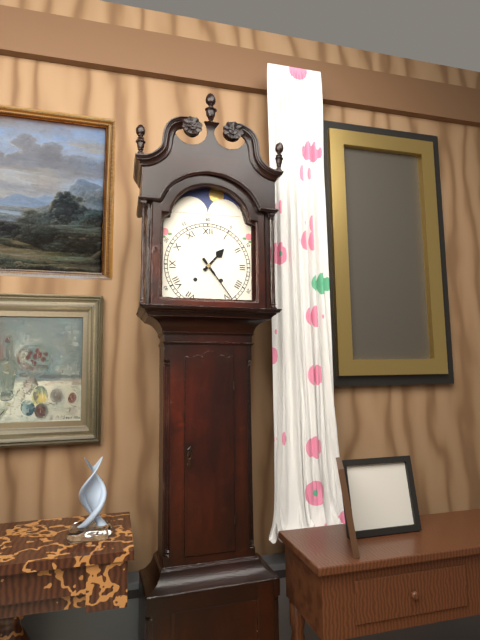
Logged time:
1h24
